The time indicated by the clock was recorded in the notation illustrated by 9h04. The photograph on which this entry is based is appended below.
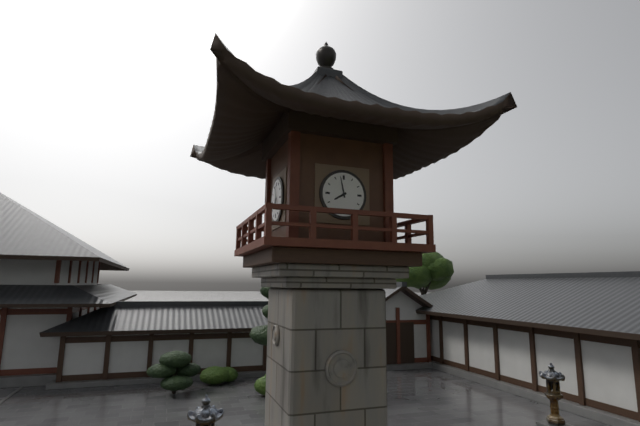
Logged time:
7h58
